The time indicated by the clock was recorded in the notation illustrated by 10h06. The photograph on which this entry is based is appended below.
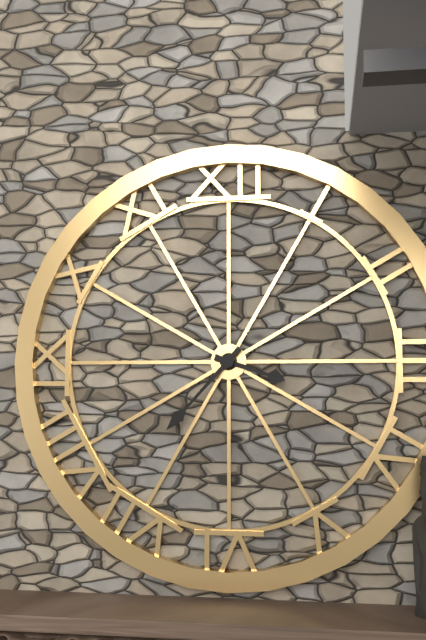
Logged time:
3h37
